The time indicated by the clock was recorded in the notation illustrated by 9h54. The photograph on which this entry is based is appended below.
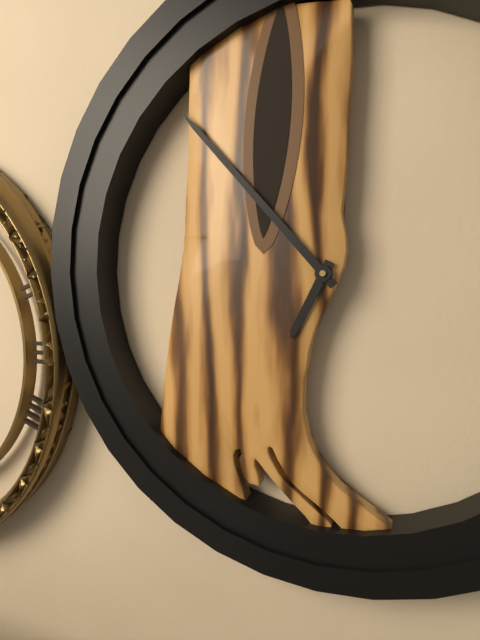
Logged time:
6h53
